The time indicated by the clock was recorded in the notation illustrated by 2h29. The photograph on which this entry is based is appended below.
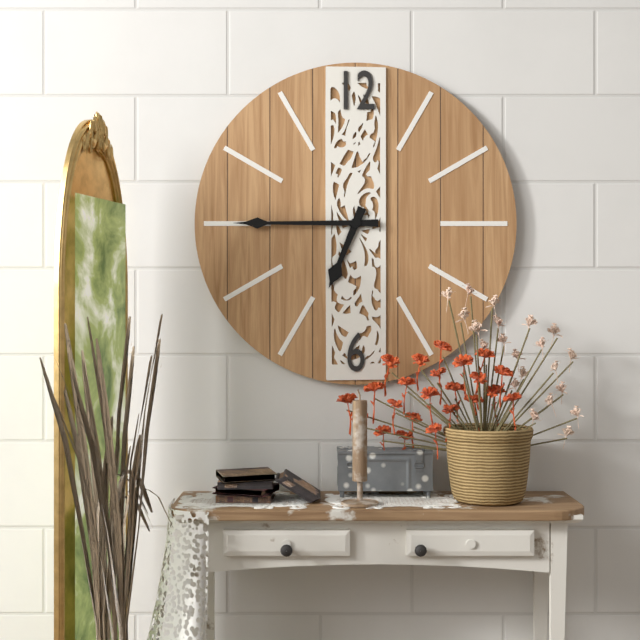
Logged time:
6h45
